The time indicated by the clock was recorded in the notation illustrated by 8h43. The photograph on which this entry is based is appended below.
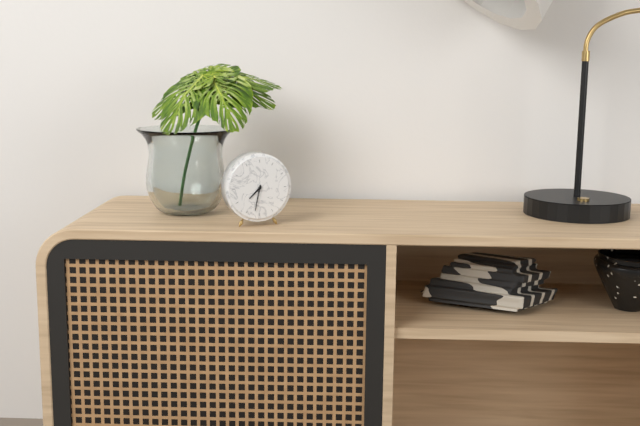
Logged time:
7h32
